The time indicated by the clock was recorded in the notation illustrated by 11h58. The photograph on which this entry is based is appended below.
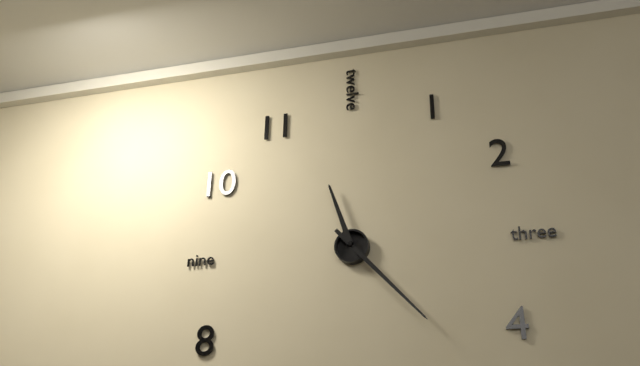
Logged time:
11h23
